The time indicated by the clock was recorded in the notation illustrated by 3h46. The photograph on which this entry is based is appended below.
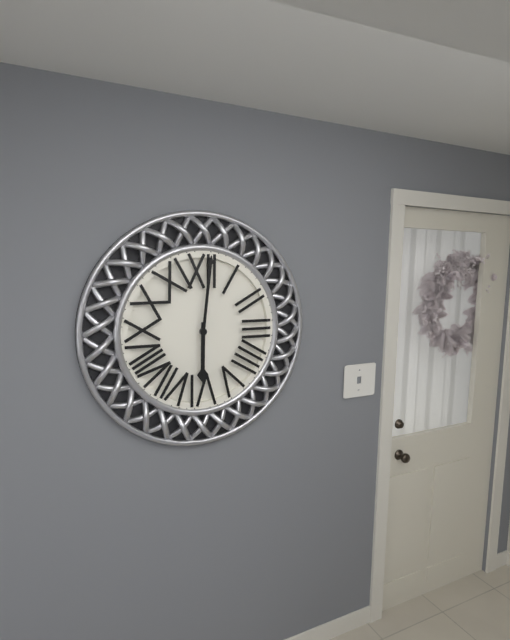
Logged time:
6h01
